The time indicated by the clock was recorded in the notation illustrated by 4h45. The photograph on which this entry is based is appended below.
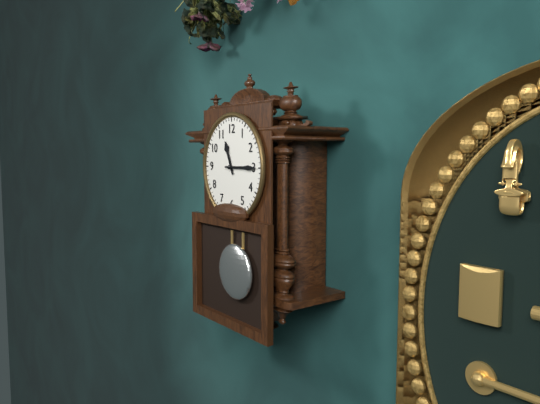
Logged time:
11h15
